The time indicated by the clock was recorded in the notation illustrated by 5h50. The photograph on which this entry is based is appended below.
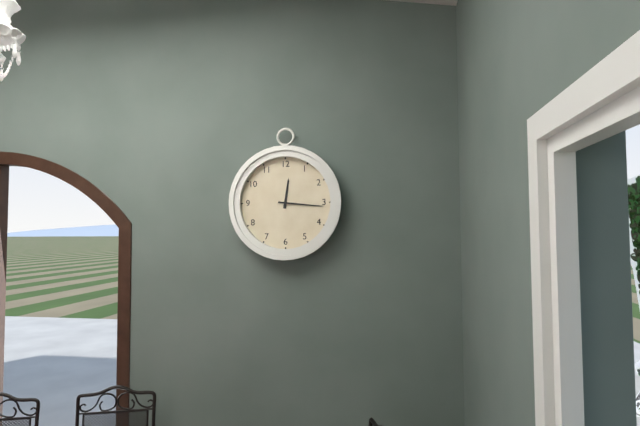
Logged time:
12h16
